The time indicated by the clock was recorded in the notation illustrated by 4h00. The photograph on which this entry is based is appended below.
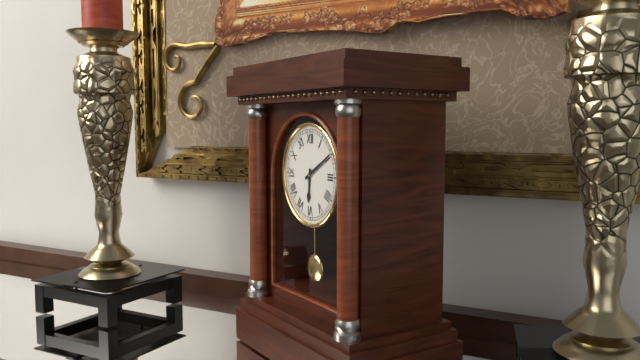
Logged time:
6h10
